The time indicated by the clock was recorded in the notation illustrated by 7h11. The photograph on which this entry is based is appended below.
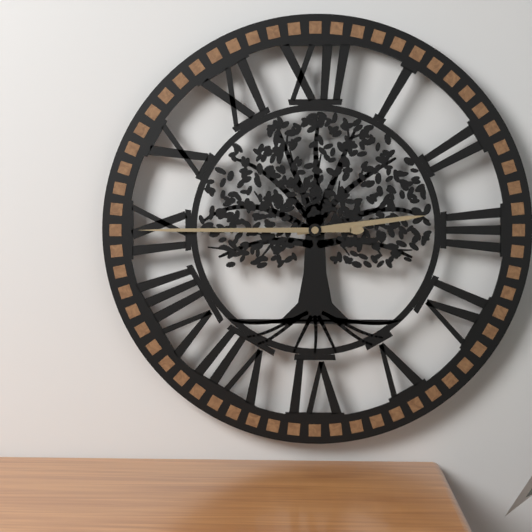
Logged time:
2h45
